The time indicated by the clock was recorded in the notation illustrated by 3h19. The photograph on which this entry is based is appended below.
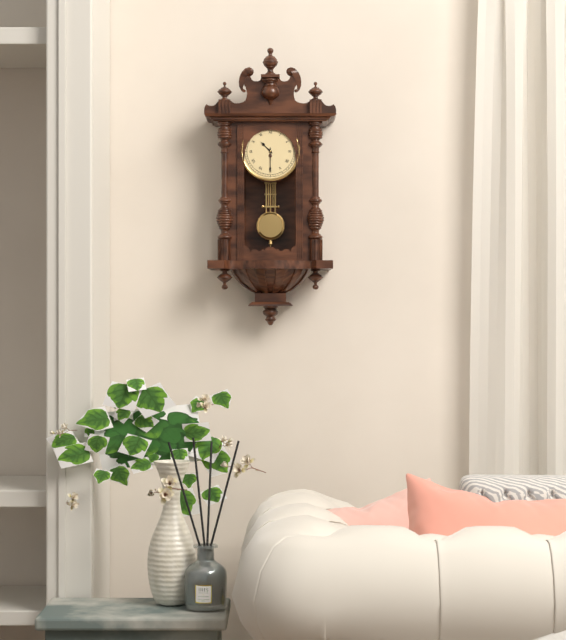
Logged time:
10h30
